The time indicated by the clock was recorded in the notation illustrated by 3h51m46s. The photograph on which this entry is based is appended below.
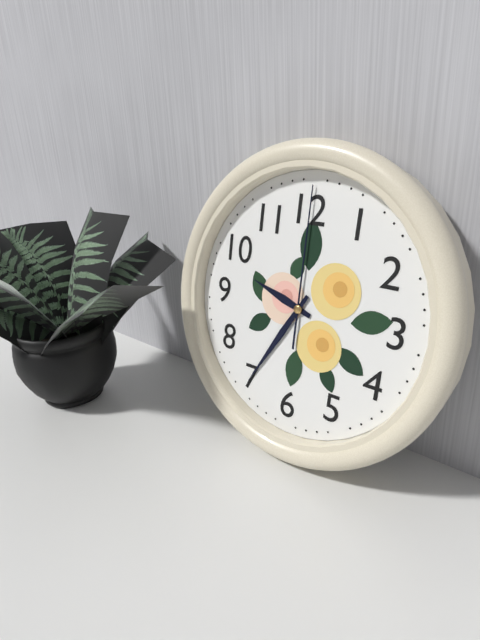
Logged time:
9h35m00s
